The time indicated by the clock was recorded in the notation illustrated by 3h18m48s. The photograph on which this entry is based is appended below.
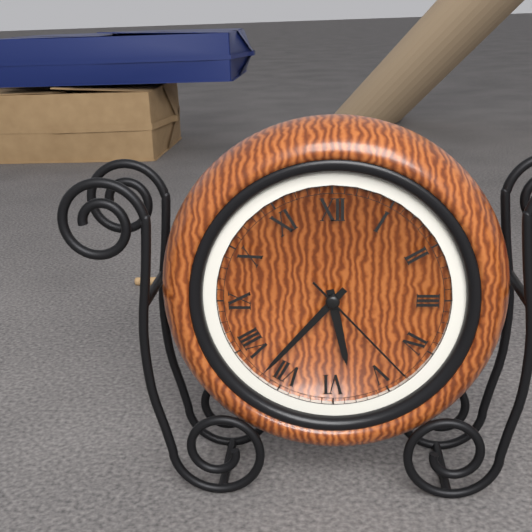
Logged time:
5h37m23s
